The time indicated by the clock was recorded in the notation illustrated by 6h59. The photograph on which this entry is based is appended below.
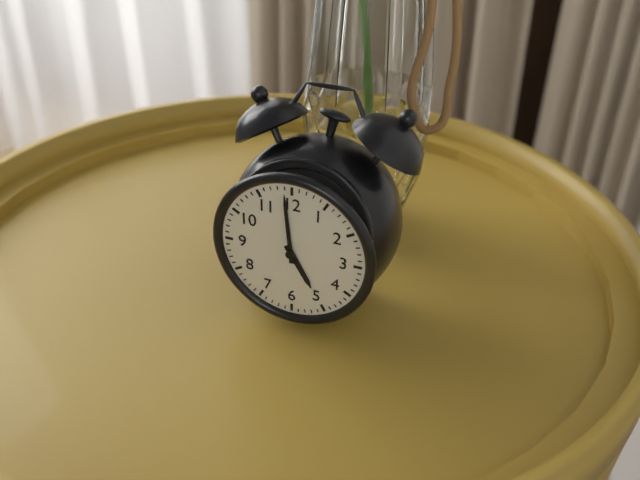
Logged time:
4h59
